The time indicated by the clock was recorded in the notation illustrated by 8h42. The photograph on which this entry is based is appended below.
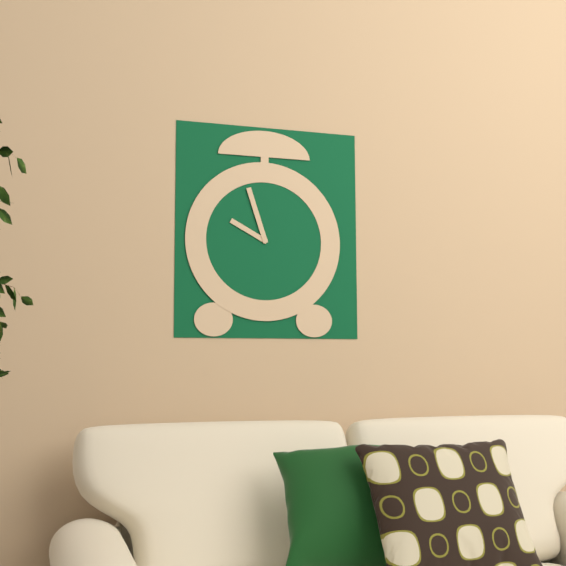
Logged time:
9h57
